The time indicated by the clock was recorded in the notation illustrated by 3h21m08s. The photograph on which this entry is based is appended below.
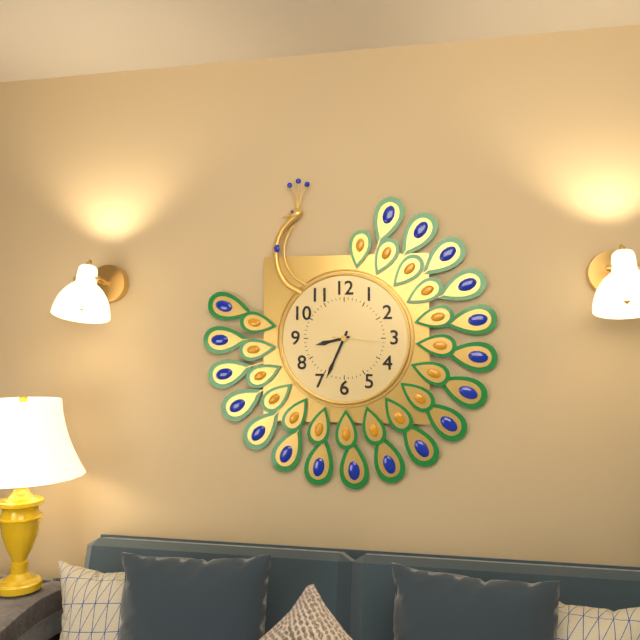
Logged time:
8h34m16s
